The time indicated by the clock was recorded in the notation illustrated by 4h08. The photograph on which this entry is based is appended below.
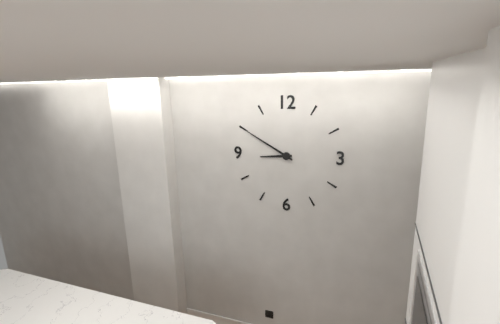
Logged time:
8h50
